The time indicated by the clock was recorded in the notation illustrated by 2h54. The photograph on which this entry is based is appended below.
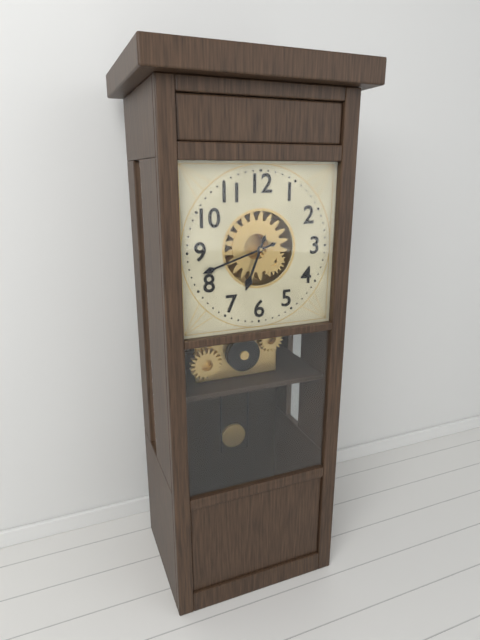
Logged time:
6h42
